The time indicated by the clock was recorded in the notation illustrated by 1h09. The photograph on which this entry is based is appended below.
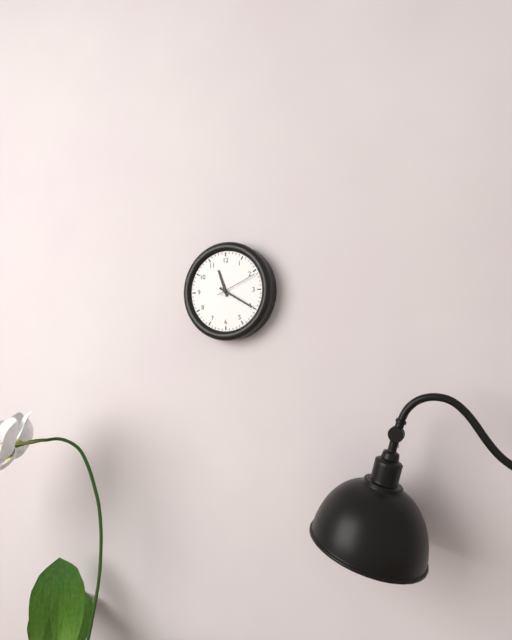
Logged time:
11h20
